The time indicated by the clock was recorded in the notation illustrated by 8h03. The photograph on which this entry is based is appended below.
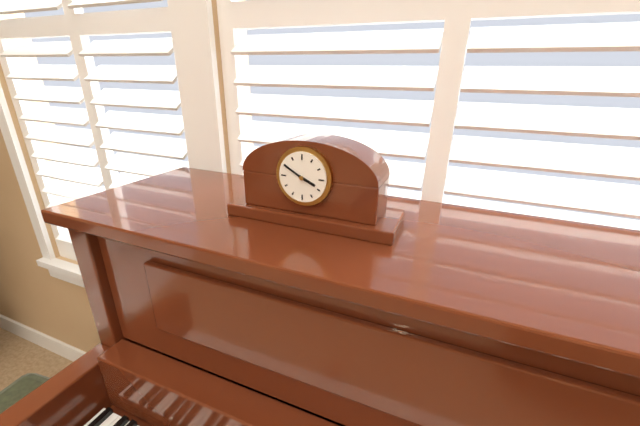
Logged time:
3h50
